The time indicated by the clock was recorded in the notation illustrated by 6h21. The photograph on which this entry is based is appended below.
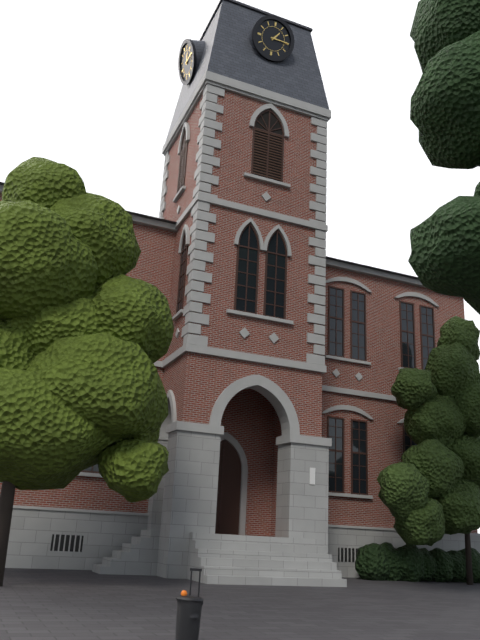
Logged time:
1h15
